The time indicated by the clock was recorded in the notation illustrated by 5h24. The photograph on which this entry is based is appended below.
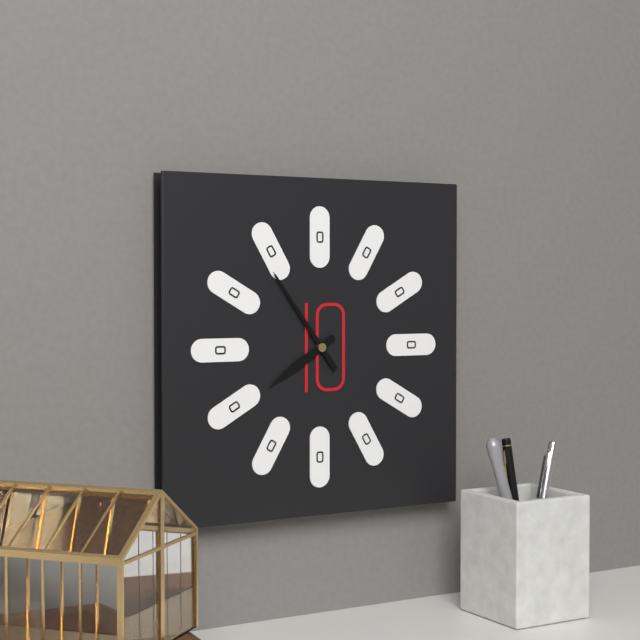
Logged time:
7h54
